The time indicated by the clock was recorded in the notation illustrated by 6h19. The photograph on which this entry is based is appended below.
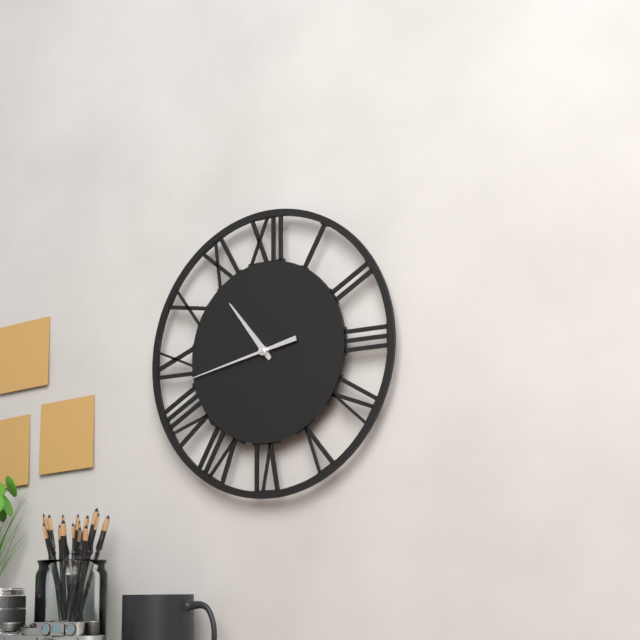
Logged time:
10h43
